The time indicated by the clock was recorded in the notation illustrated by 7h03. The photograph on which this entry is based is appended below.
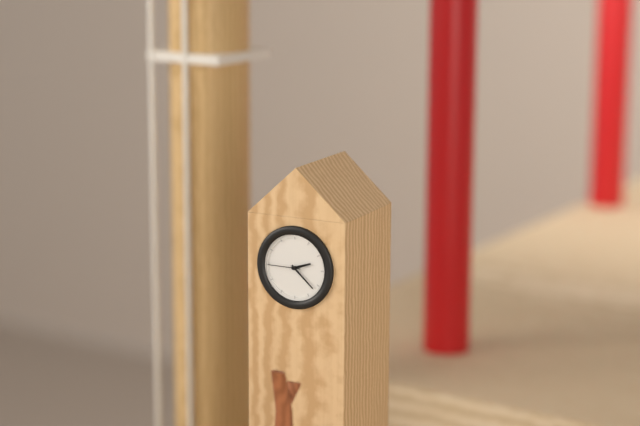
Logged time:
2h22
